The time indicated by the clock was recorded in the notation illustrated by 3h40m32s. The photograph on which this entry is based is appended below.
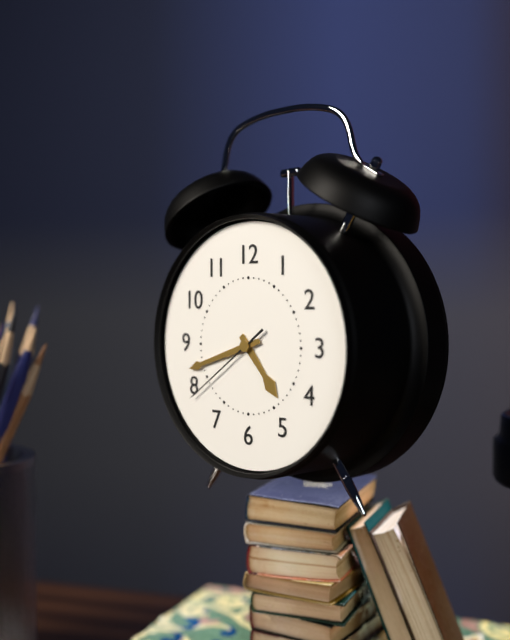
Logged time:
4h42m39s
